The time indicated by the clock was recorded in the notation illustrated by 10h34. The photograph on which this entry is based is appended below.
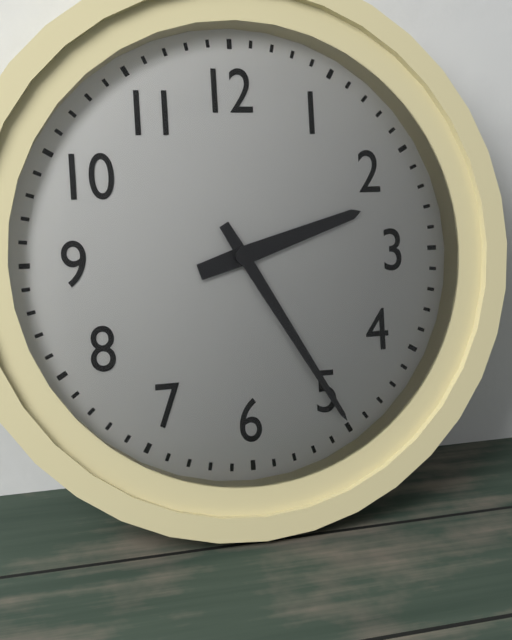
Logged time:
2h25
